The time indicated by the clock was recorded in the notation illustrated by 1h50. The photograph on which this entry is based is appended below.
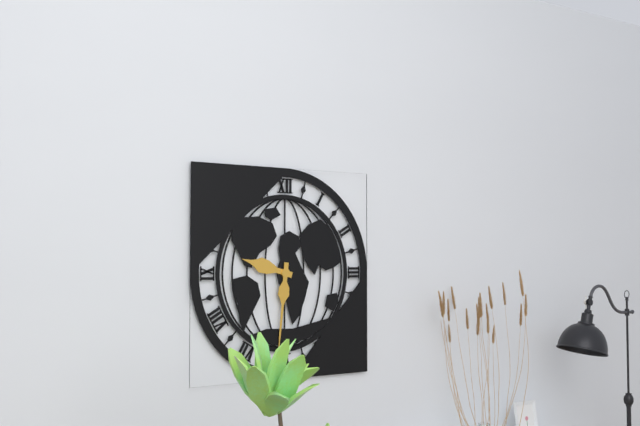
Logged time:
9h31
